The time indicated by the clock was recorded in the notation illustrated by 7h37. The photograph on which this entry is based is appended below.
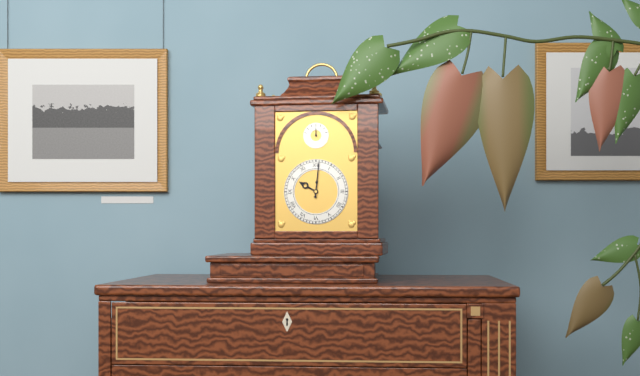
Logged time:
10h01
